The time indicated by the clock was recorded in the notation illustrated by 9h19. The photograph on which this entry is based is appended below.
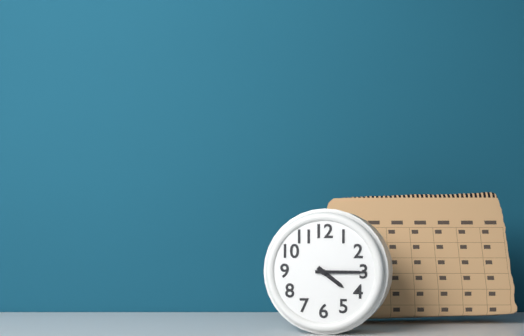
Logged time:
4h15
